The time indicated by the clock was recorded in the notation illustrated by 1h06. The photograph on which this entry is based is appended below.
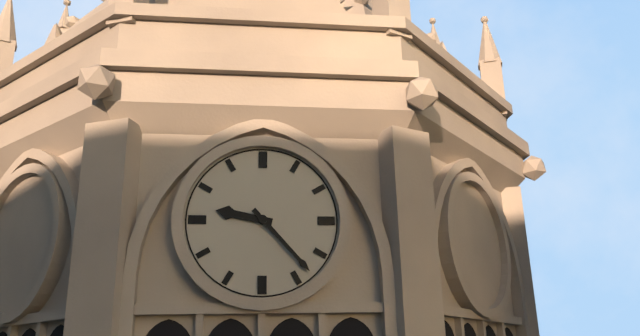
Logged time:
9h23
